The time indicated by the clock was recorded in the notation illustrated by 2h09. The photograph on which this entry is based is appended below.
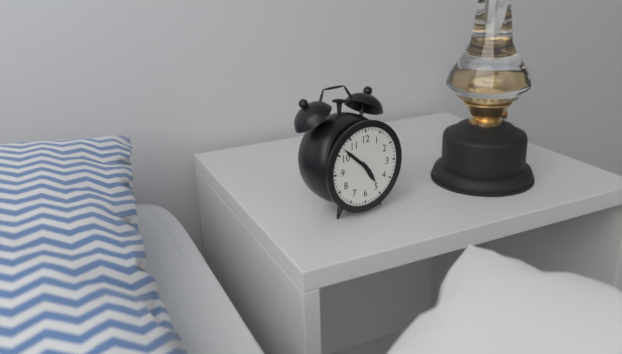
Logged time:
4h52
